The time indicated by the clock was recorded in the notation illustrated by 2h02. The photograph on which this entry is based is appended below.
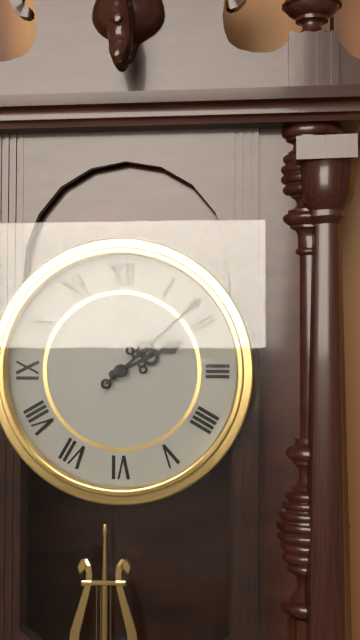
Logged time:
2h08
